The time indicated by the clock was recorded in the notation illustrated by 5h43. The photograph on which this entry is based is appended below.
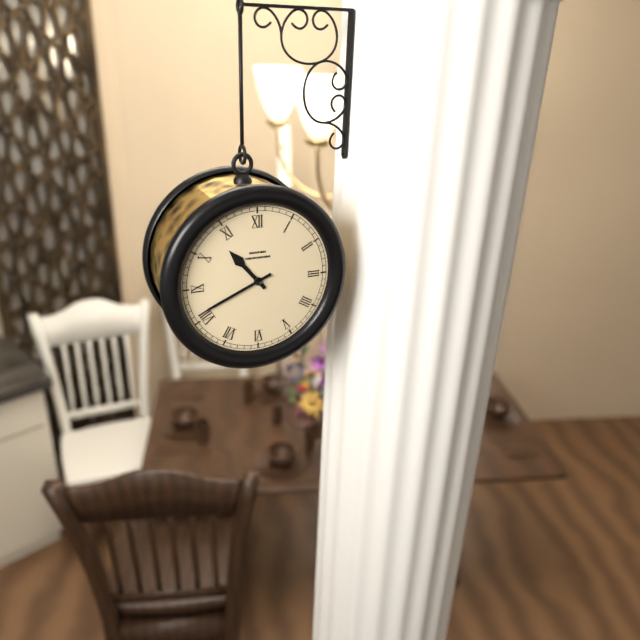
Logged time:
10h41
